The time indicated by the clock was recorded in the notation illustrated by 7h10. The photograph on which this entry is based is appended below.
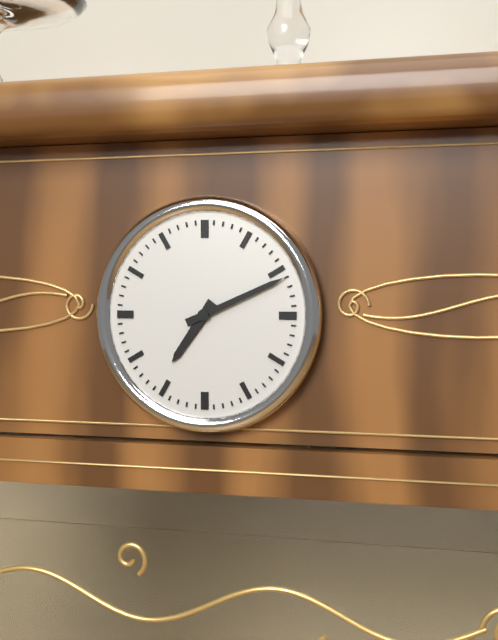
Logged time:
7h11
